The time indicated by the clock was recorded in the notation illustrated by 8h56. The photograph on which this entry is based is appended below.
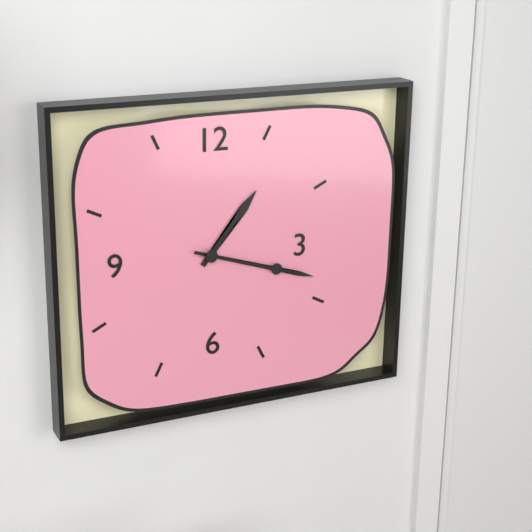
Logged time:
1h18
